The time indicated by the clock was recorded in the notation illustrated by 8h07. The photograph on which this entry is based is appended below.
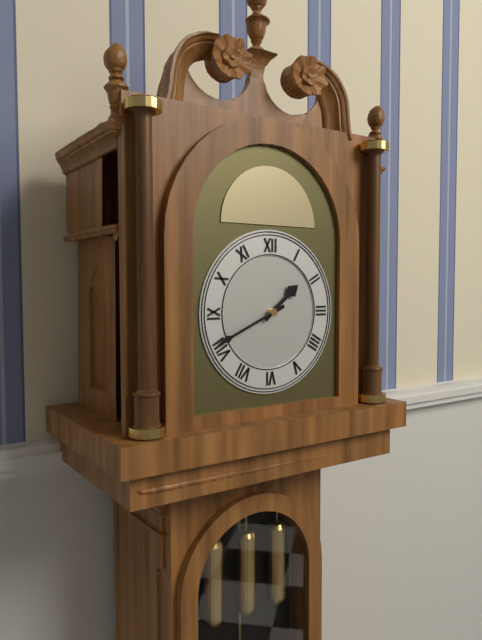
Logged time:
1h41
